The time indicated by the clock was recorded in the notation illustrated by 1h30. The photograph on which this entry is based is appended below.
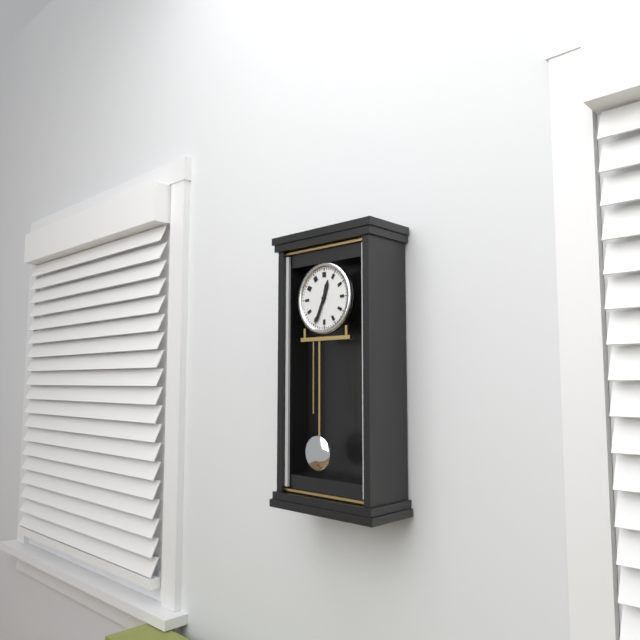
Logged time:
12h34
